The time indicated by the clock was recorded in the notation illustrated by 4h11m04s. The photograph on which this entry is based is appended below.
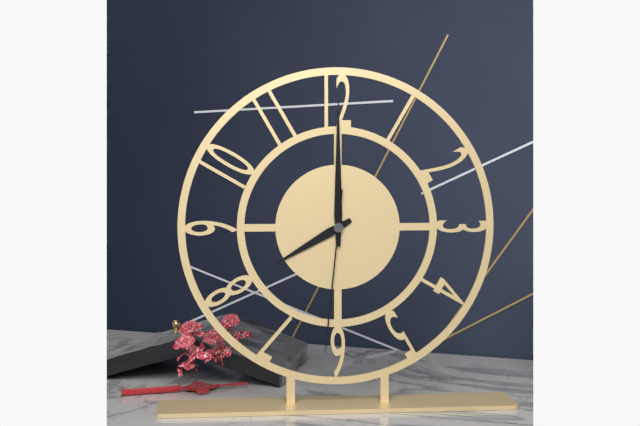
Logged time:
8h00m31s
